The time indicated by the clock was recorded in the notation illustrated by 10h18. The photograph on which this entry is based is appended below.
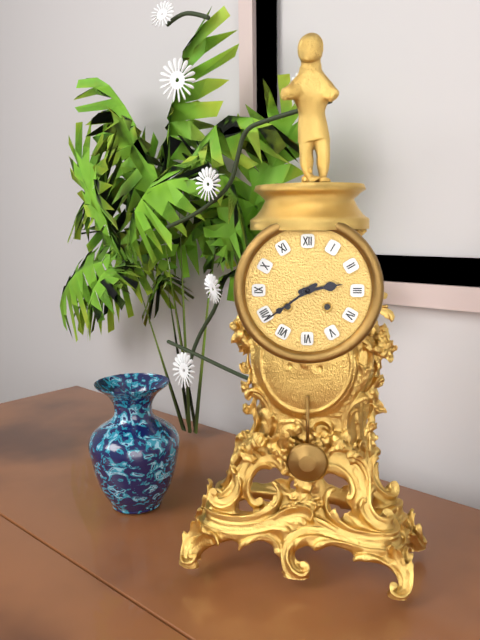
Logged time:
2h39
